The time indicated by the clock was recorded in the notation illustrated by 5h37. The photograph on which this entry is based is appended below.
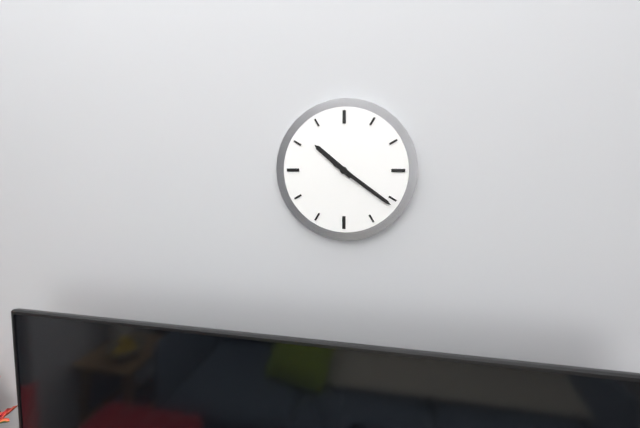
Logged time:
10h21
